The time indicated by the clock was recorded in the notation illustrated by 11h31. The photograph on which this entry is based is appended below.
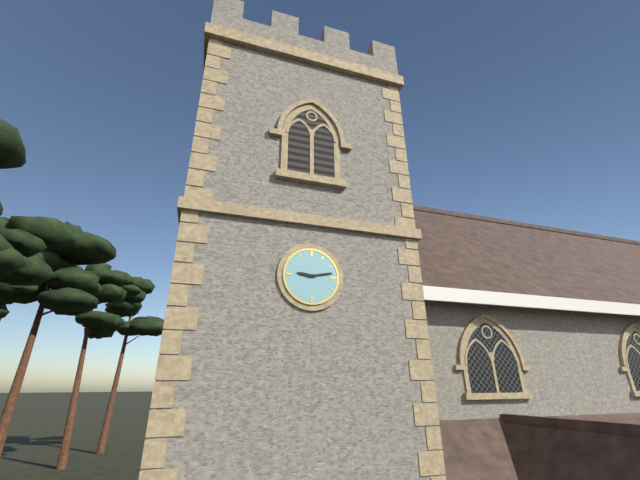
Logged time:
9h13
